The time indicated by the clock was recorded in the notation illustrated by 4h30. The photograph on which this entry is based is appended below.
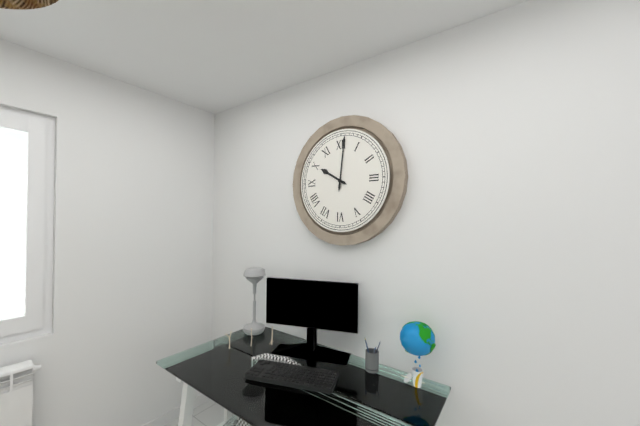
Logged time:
10h01
